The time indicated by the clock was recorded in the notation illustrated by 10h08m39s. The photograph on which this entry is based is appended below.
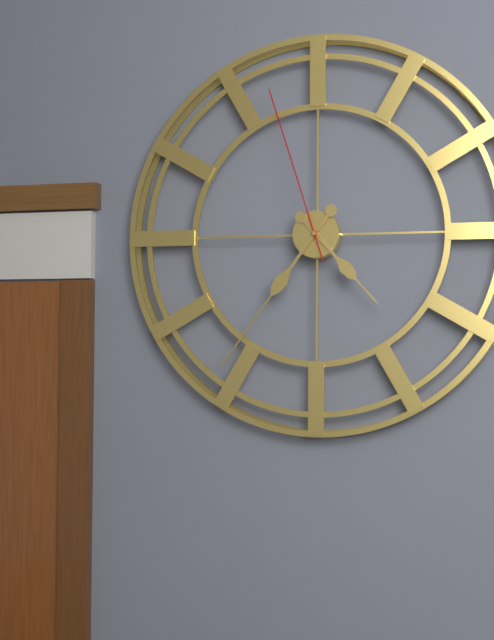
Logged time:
4h36m57s
